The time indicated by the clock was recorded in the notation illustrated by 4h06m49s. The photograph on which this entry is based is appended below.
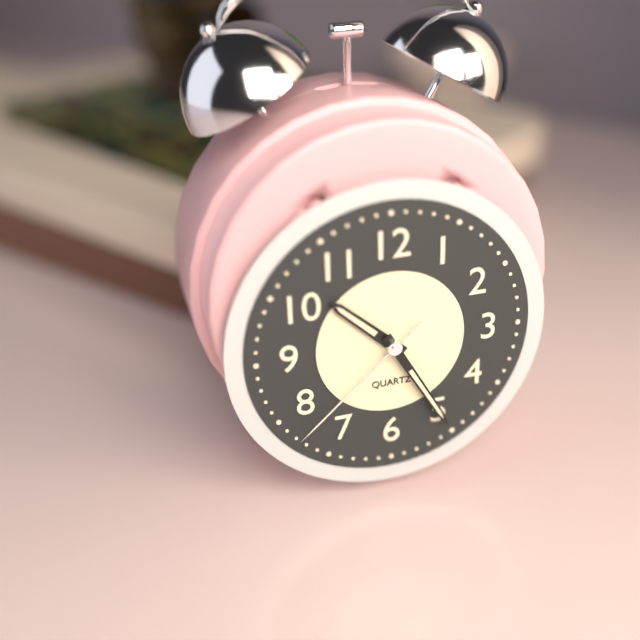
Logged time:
10h25m38s
